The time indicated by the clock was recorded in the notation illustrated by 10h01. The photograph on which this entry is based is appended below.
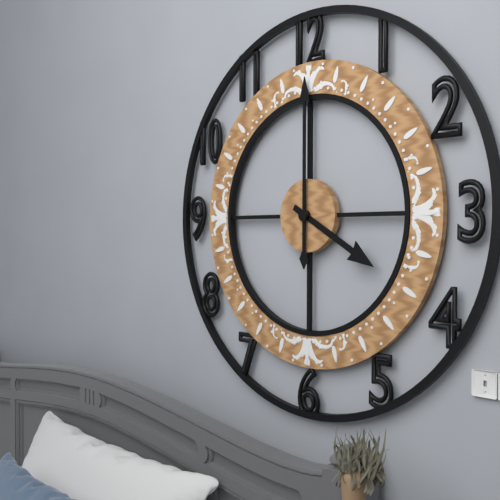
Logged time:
4h00
